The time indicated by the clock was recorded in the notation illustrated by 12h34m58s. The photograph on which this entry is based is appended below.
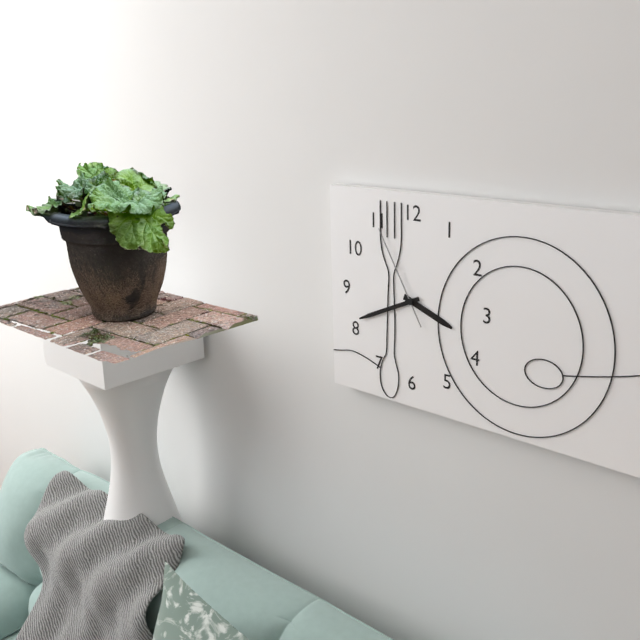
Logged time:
3h41m55s
